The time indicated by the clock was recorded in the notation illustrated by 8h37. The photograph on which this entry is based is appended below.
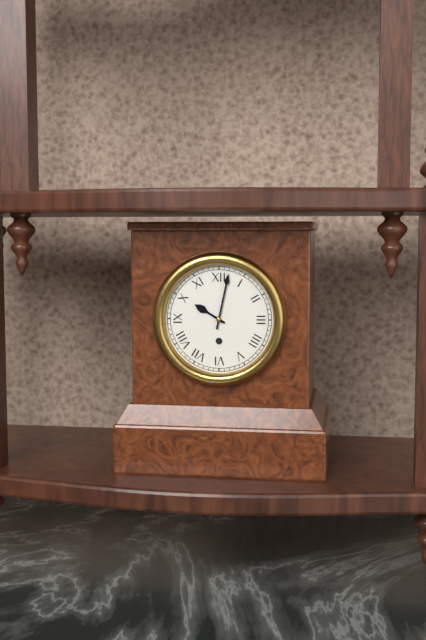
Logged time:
10h02
